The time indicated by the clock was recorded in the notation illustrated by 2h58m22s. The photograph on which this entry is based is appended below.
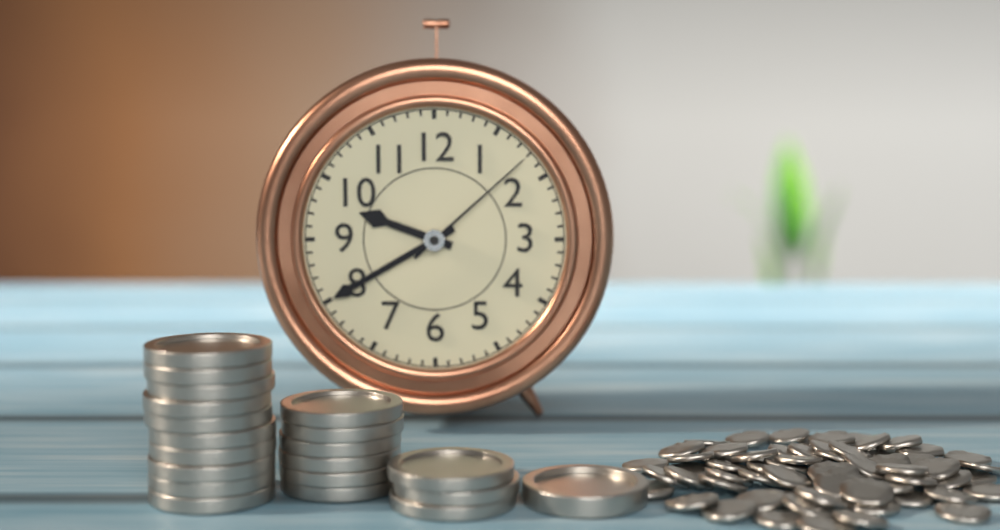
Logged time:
9h40m08s
